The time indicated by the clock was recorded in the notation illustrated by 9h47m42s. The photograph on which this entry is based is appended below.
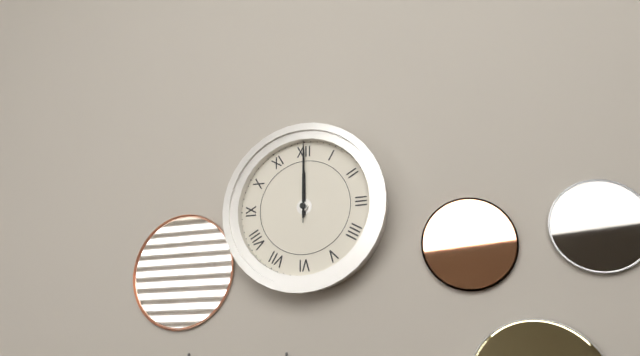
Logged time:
12h00m00s
